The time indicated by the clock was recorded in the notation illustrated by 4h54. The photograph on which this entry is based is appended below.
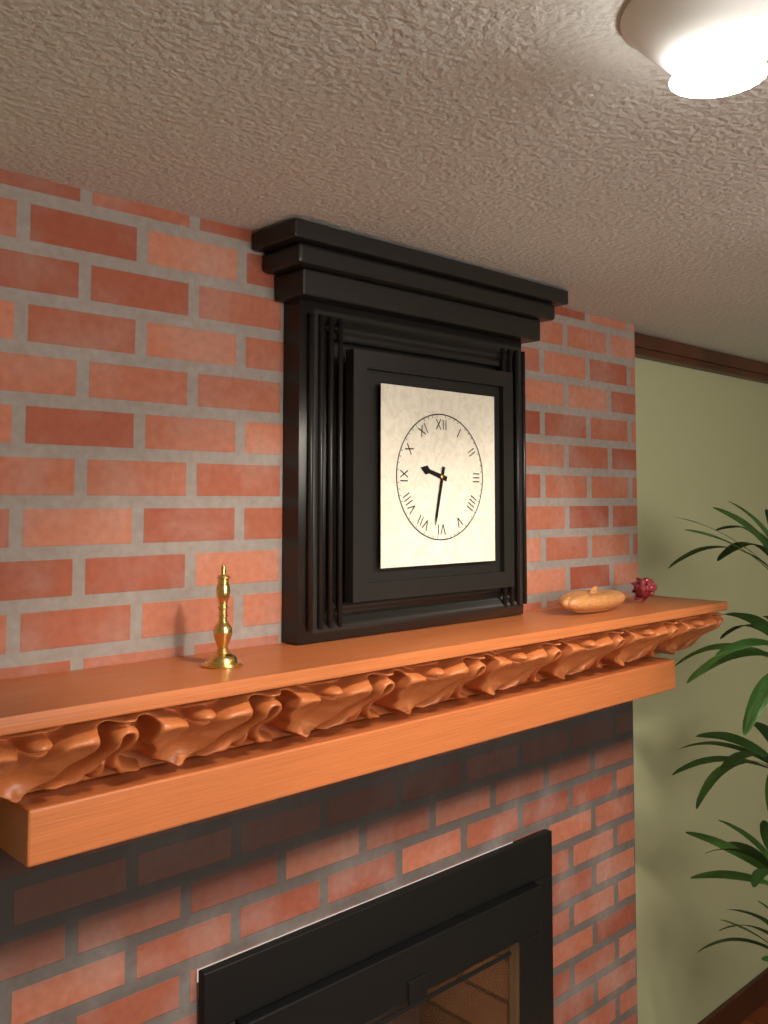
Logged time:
9h32
